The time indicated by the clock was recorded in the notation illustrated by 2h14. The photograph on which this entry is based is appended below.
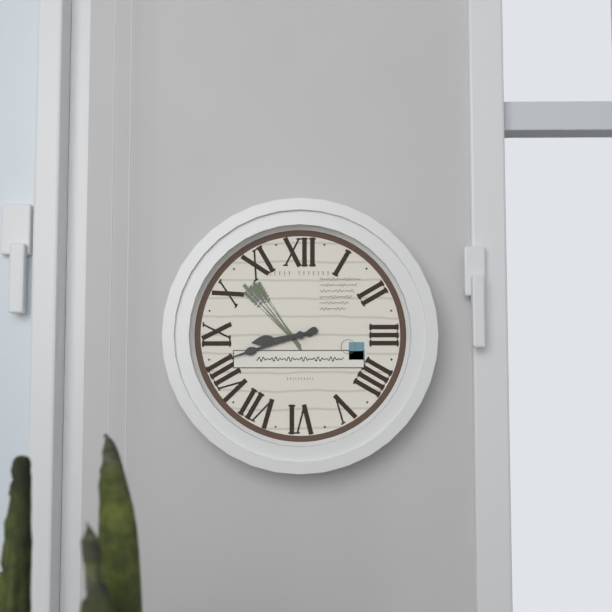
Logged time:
8h42
